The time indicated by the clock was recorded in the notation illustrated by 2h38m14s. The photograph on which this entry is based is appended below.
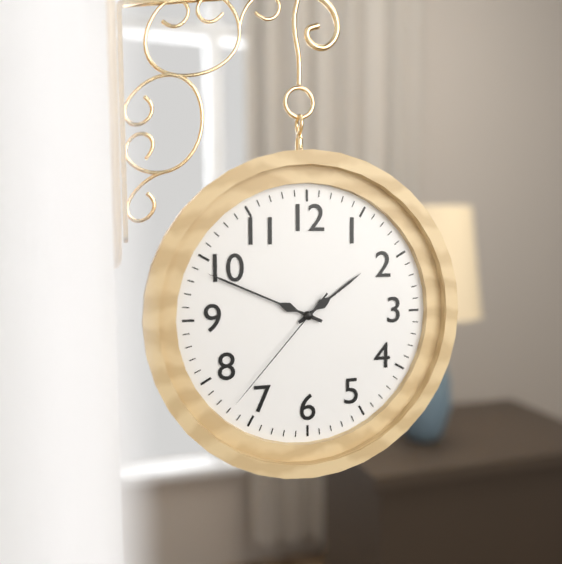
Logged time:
1h49m37s
